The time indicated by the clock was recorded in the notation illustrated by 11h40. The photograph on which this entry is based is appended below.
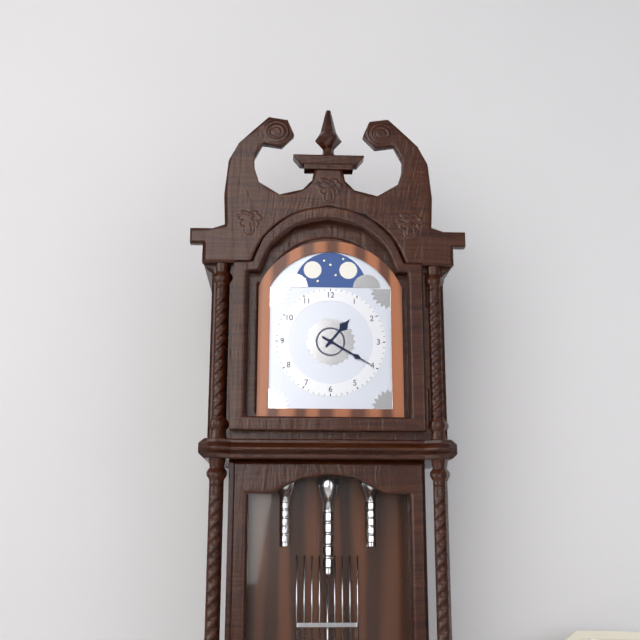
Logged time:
1h20
